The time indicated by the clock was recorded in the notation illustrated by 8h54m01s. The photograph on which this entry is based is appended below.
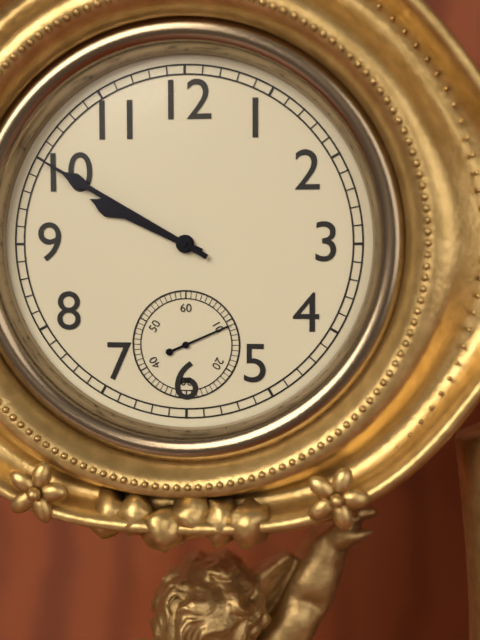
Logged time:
9h50m11s
